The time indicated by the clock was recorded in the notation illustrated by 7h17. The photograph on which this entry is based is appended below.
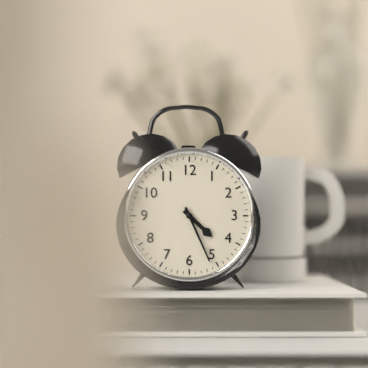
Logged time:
4h26
